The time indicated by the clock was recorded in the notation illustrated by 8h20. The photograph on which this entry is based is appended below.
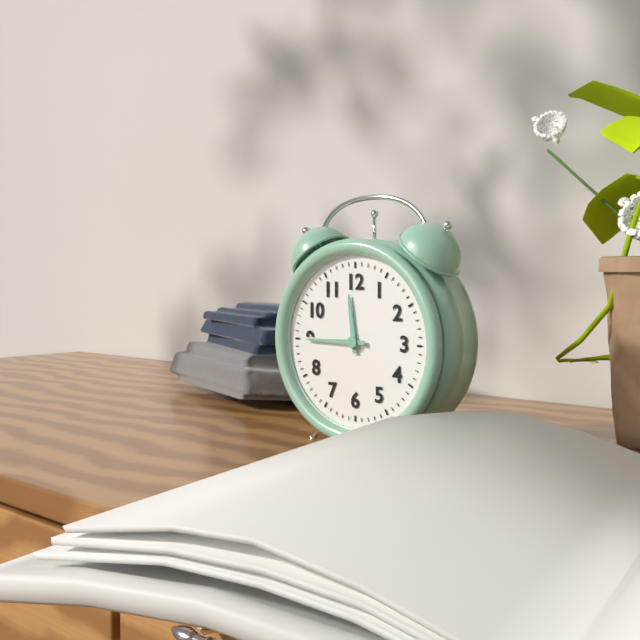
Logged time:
11h45
